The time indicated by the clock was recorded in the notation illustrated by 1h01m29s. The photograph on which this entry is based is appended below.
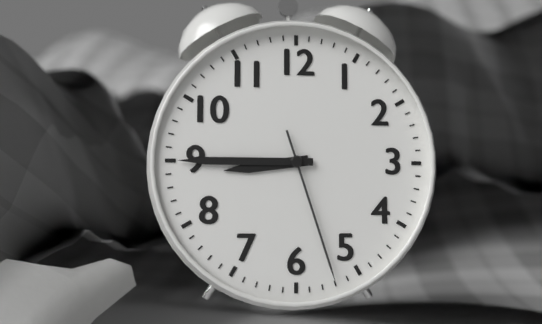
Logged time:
8h45m27s
